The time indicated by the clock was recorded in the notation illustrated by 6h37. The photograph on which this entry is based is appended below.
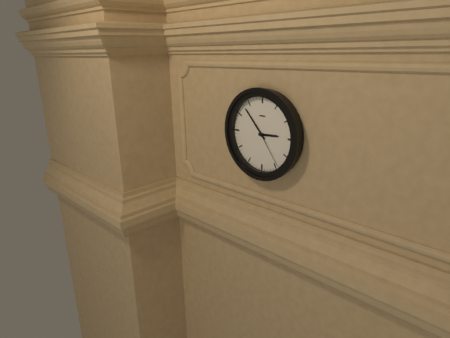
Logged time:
2h53
